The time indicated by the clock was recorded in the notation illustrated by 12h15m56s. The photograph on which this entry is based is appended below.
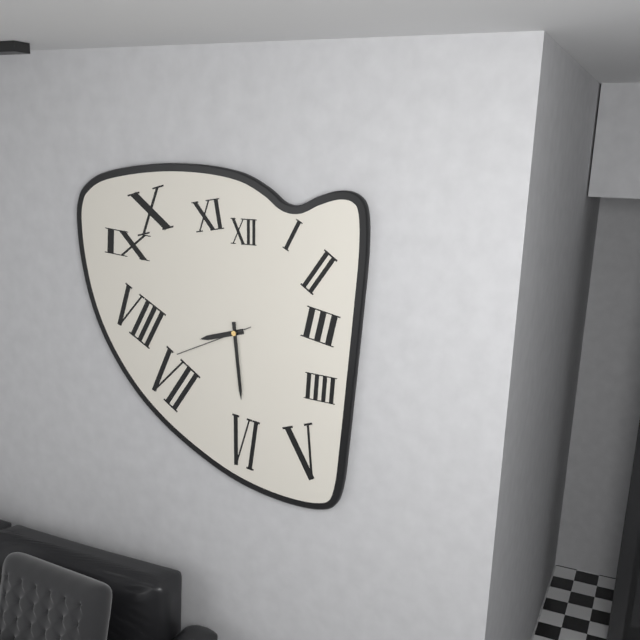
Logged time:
8h29m41s
